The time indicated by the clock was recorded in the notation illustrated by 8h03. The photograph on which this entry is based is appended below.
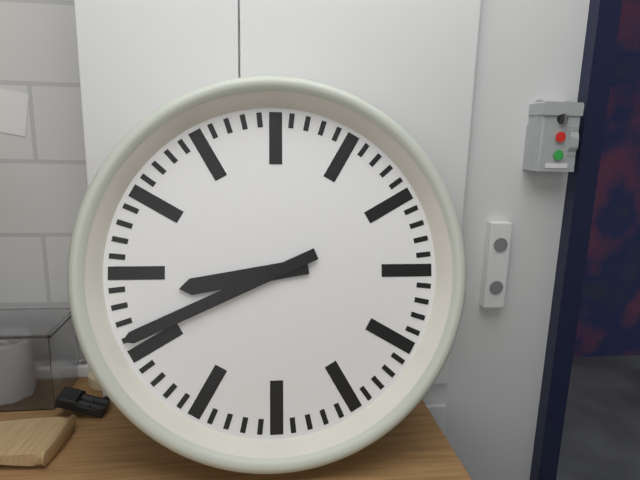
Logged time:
8h41
